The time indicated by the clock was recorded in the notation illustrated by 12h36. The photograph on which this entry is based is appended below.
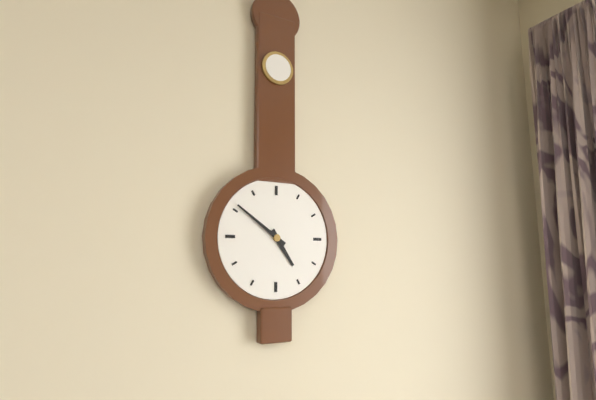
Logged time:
4h51
